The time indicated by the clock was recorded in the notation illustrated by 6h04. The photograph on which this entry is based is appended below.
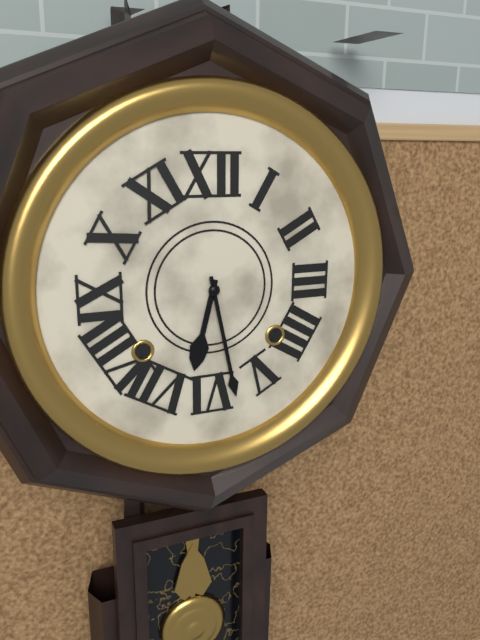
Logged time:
6h28
